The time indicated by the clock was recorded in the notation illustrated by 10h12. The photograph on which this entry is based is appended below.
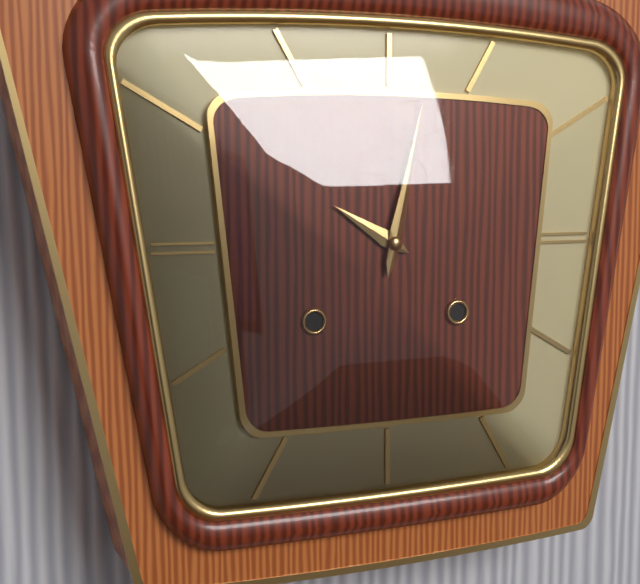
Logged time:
10h02
